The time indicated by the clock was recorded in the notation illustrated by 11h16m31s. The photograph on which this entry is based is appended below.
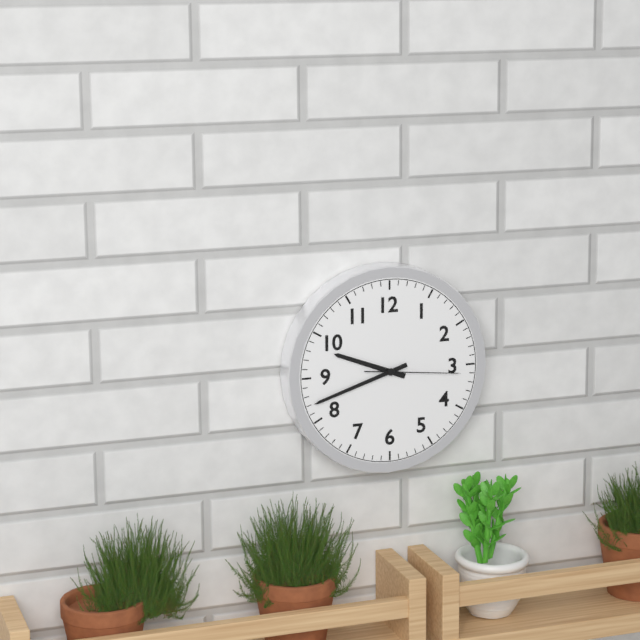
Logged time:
9h42m16s
